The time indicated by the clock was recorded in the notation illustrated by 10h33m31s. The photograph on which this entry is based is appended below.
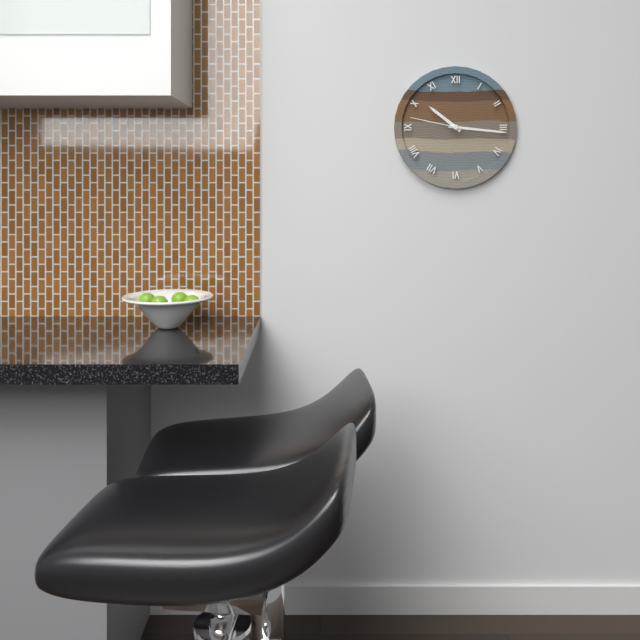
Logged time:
10h16m47s
